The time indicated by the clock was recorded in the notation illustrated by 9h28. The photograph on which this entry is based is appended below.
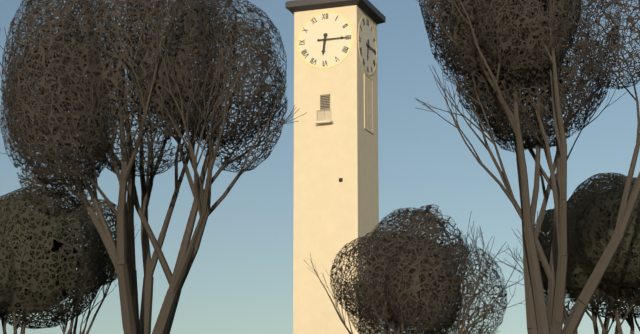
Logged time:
6h15
